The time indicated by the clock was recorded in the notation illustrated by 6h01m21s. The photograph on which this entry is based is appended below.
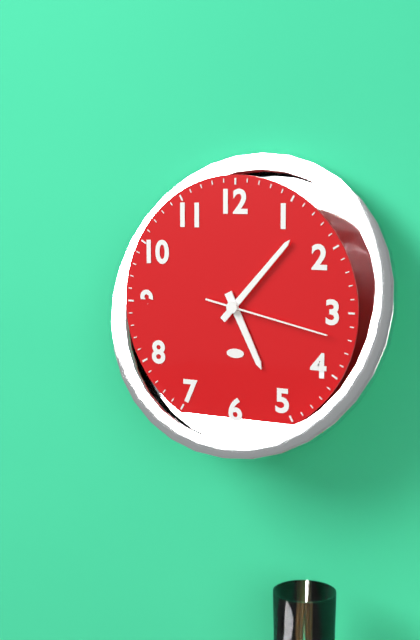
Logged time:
5h07m17s
